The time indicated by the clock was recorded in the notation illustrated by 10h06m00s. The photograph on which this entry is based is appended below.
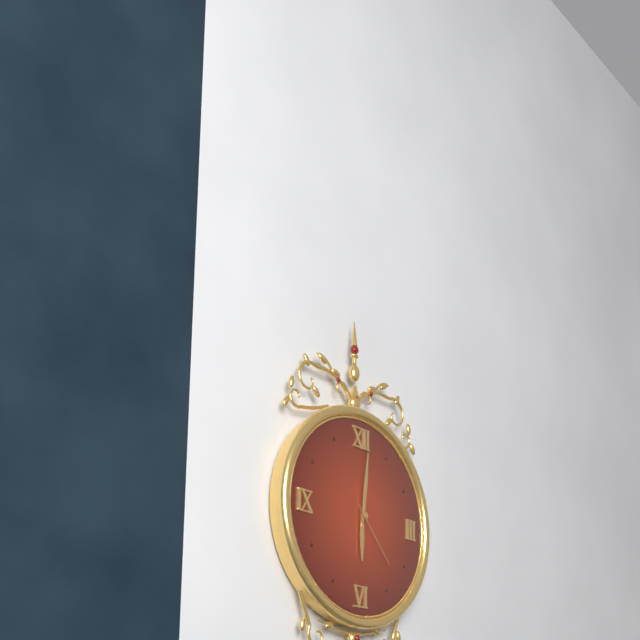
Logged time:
6h01m23s
